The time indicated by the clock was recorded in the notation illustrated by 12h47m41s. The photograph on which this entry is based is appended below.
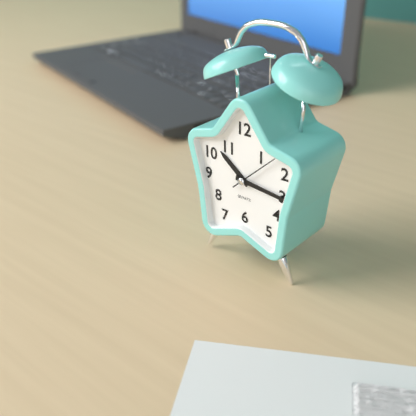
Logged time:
10h16m08s
